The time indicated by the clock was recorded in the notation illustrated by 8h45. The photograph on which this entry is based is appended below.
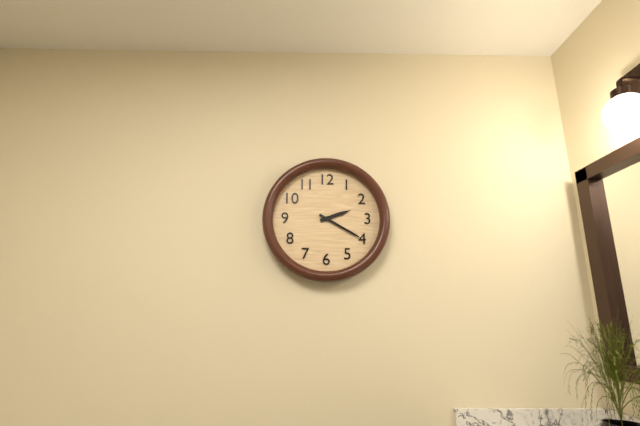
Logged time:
2h20
